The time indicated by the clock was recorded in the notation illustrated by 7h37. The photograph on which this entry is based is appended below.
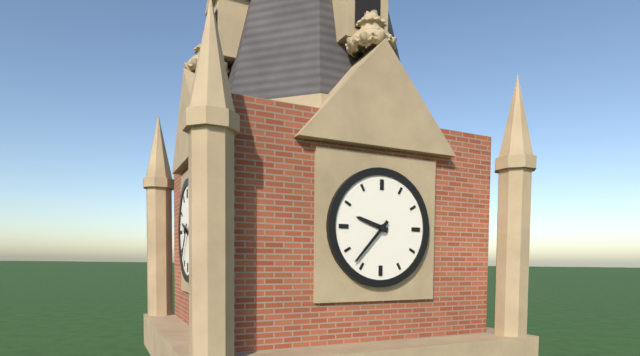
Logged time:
9h37
